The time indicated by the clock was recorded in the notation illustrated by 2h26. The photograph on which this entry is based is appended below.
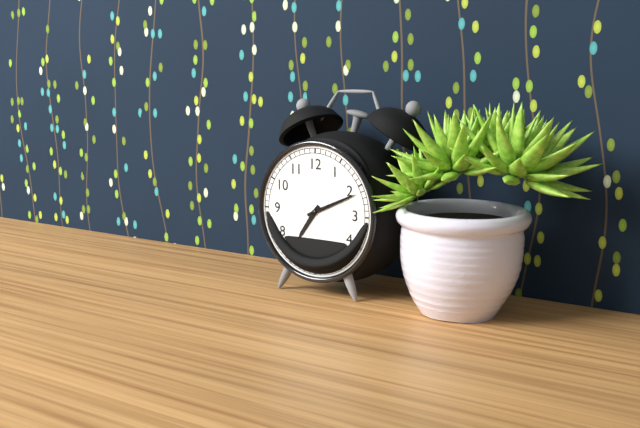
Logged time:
7h11
